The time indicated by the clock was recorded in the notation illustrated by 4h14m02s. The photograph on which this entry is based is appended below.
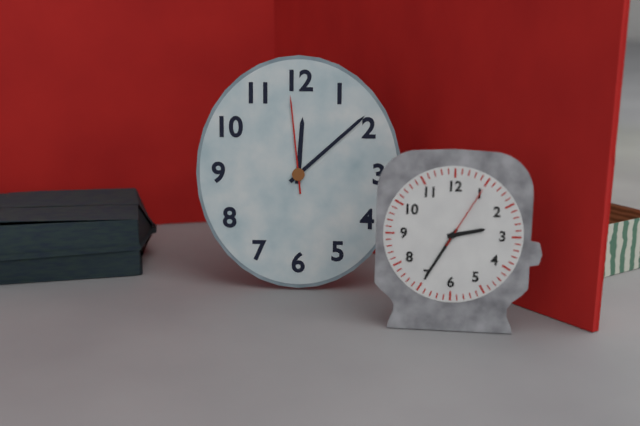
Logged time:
12h08m59s
